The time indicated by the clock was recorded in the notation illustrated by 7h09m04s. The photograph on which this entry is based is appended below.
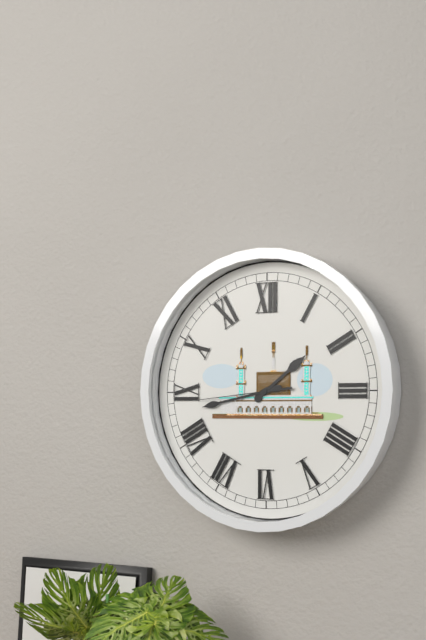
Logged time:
1h43m44s
